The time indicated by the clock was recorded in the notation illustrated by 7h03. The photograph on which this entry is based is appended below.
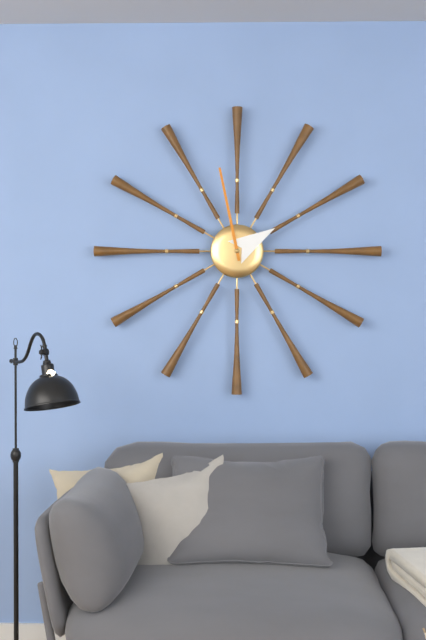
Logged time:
1h58
